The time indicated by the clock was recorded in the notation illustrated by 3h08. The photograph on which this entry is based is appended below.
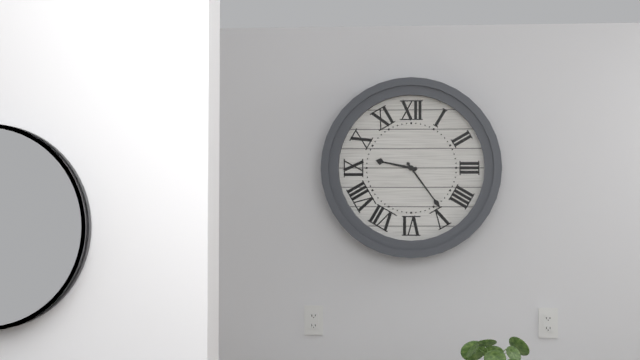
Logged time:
9h24
